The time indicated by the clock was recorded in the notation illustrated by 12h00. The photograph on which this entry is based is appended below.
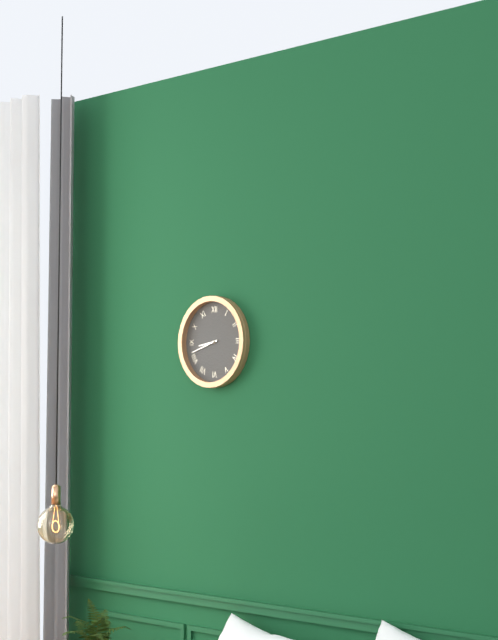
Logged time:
8h42
